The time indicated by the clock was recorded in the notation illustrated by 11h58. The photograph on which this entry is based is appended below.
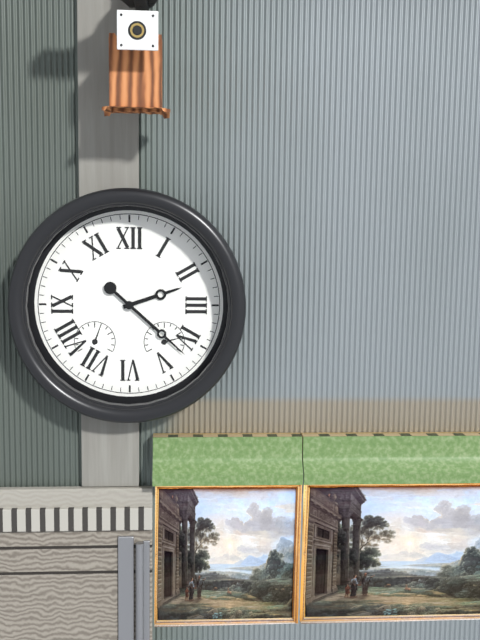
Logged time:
2h22
